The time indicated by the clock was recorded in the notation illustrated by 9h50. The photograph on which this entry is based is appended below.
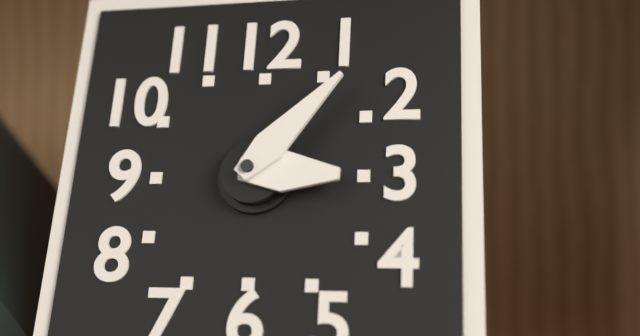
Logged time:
3h07
